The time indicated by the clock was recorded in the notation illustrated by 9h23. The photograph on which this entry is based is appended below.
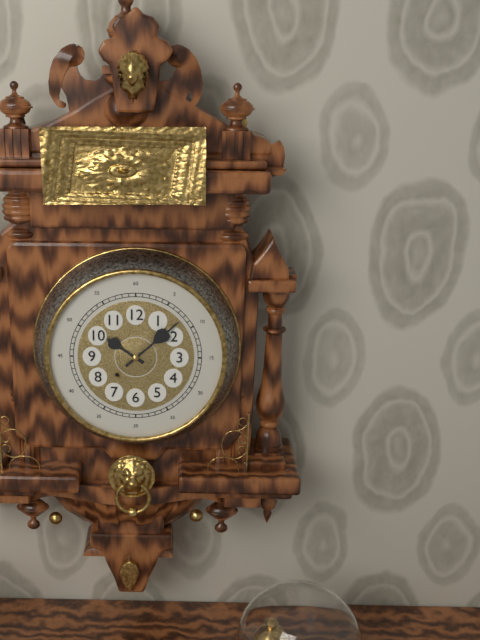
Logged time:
10h08
